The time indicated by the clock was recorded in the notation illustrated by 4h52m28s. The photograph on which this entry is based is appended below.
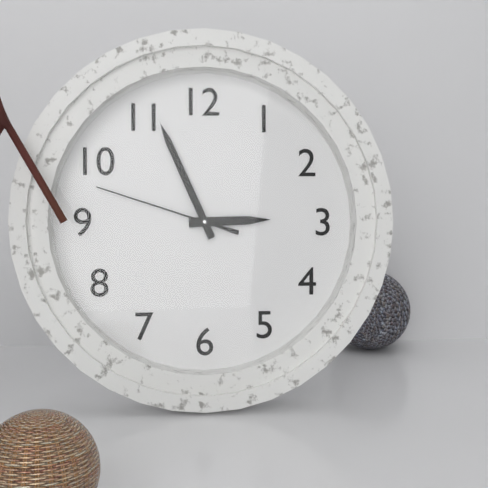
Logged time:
2h56m48s
